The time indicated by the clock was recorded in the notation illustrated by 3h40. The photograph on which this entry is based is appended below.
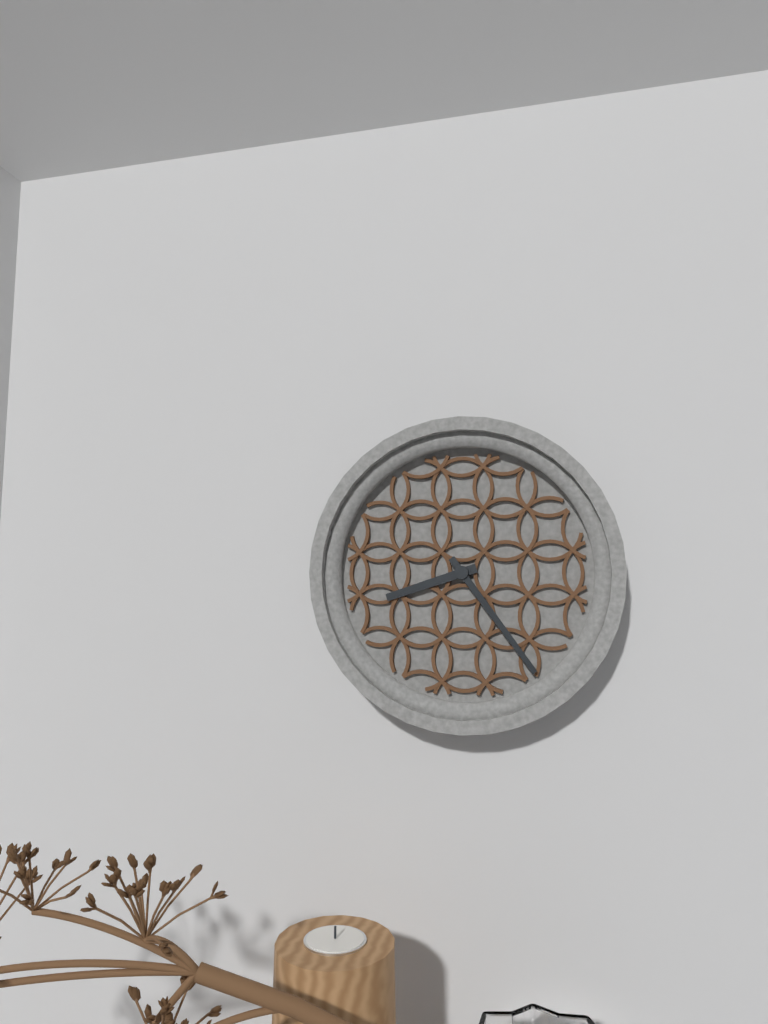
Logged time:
8h24
